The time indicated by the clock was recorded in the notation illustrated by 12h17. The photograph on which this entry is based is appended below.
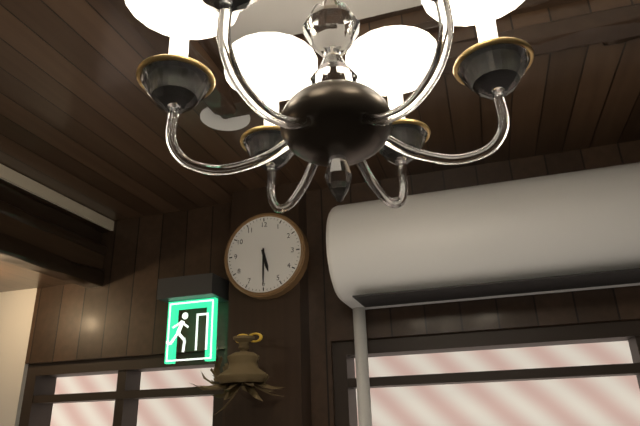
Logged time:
5h30
